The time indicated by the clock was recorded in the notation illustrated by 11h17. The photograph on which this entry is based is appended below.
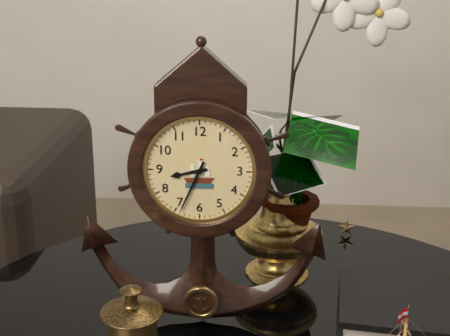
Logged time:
8h34
